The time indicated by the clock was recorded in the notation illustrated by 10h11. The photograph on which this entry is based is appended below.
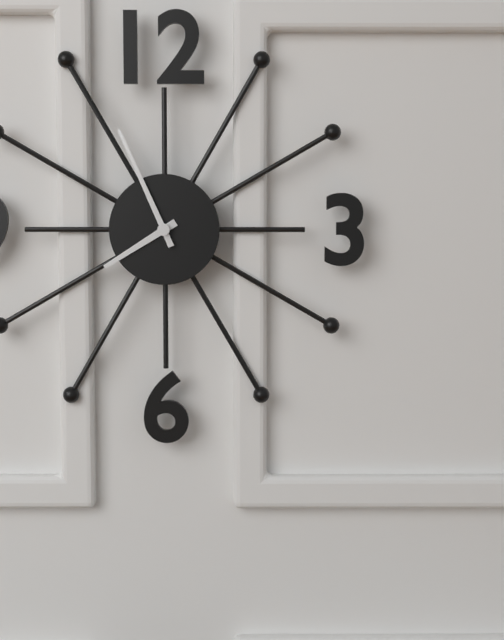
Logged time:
7h56
